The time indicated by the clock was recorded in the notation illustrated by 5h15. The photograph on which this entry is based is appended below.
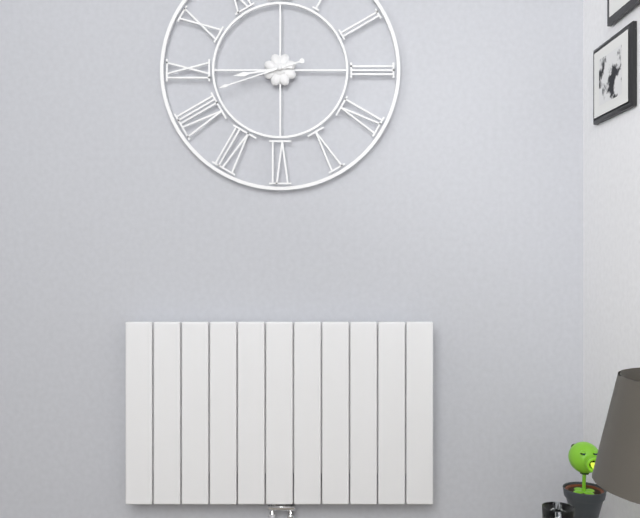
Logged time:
8h42
